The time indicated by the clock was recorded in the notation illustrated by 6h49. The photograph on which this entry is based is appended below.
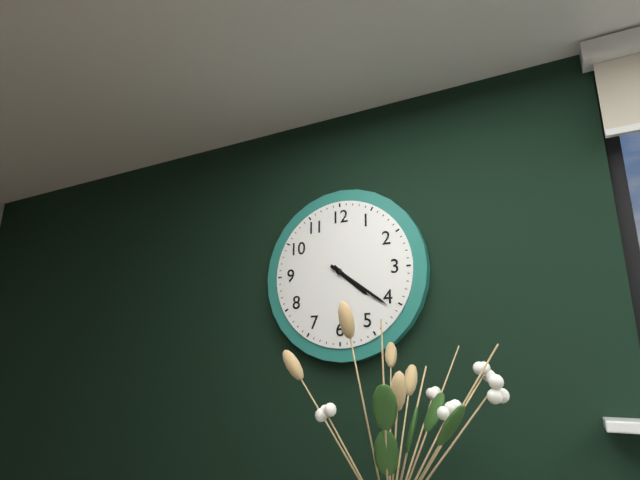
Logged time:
4h21
